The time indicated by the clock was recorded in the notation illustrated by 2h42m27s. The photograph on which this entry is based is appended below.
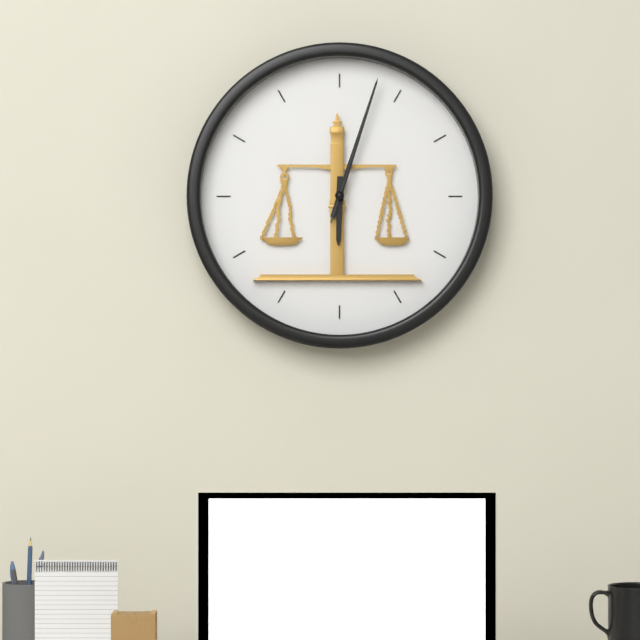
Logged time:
6h03m03s
